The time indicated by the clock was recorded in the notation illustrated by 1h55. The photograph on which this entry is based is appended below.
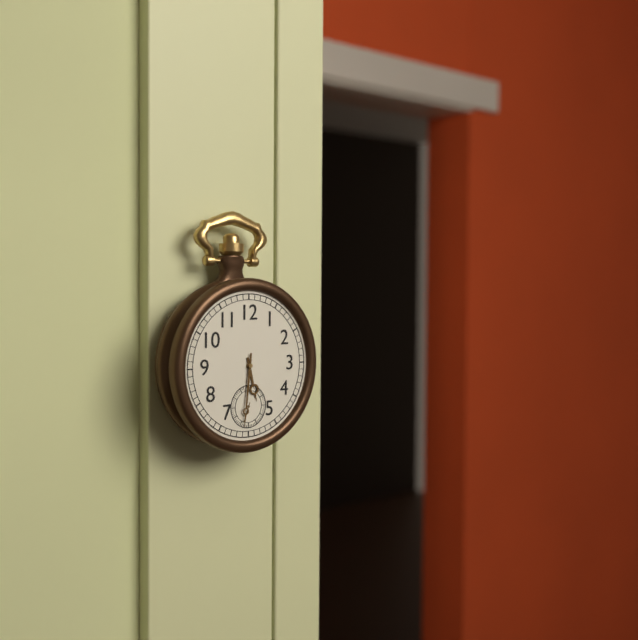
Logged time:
5h31
